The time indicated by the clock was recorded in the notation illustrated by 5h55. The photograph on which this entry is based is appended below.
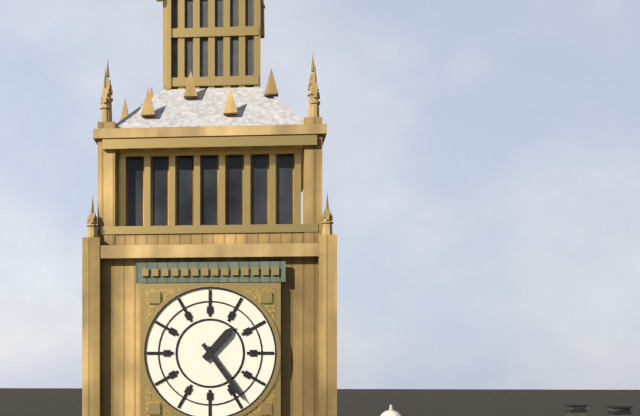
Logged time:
1h24
